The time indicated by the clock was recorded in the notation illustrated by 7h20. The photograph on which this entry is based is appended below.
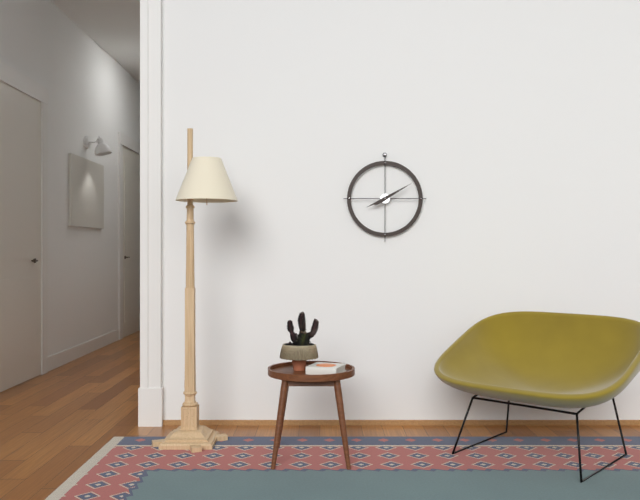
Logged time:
8h10
